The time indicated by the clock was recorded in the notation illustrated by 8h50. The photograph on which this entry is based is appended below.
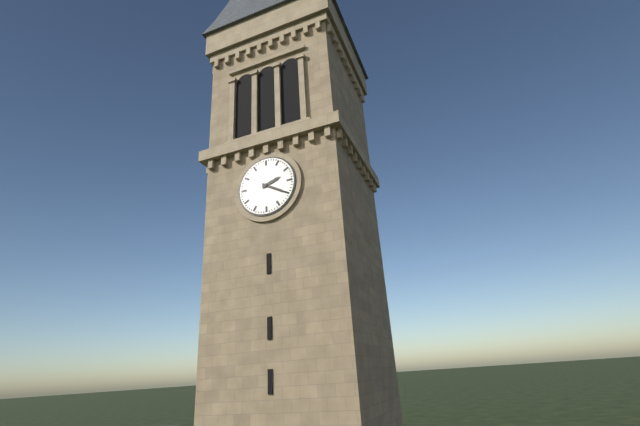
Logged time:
2h20
